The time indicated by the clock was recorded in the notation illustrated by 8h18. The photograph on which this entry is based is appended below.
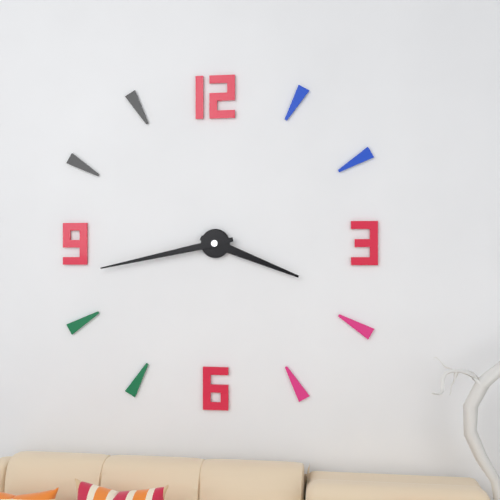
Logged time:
3h43
